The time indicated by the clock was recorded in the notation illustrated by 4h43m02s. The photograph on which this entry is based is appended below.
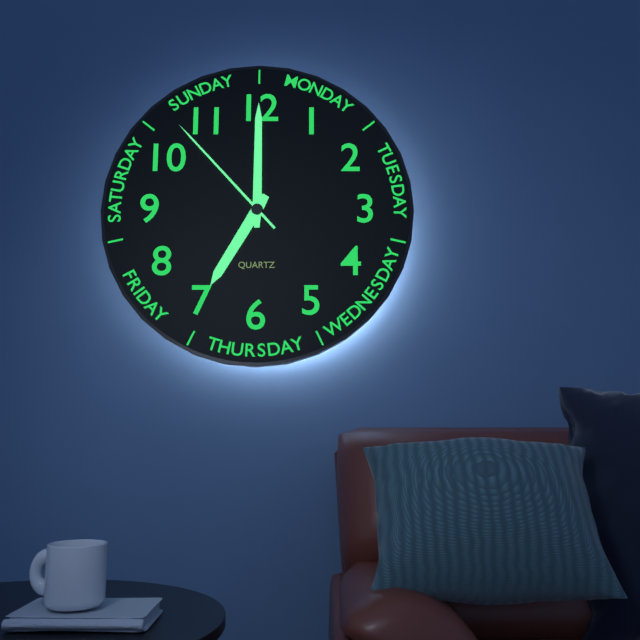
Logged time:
7h00m53s
